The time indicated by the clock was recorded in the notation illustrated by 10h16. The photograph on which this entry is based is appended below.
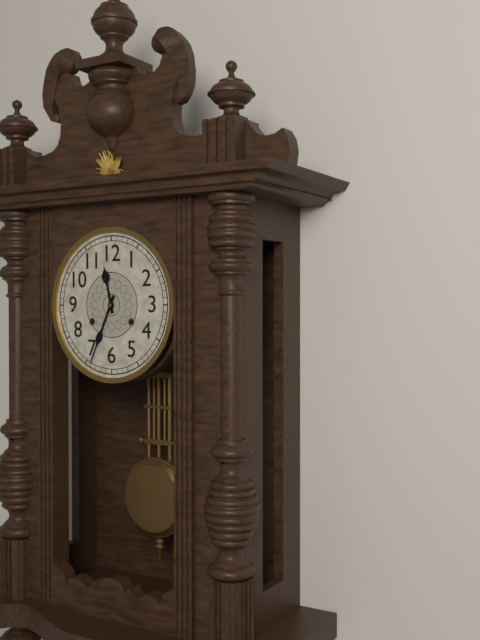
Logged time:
11h34
